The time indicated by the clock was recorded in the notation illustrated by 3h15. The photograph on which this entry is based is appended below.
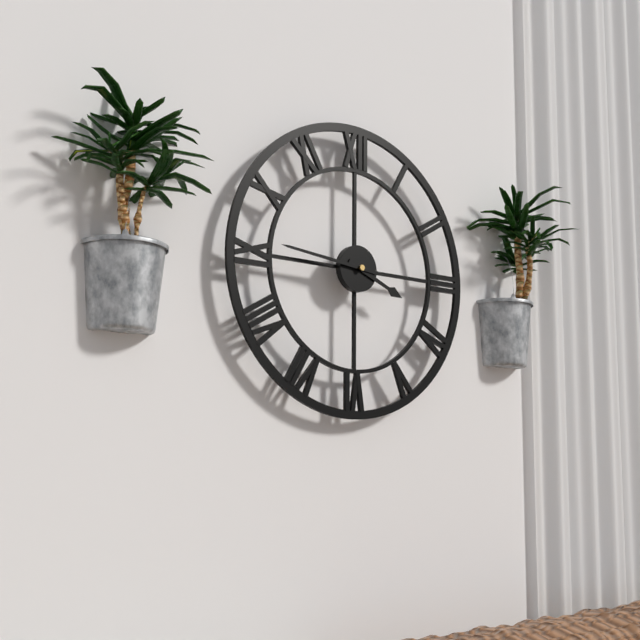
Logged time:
3h46
